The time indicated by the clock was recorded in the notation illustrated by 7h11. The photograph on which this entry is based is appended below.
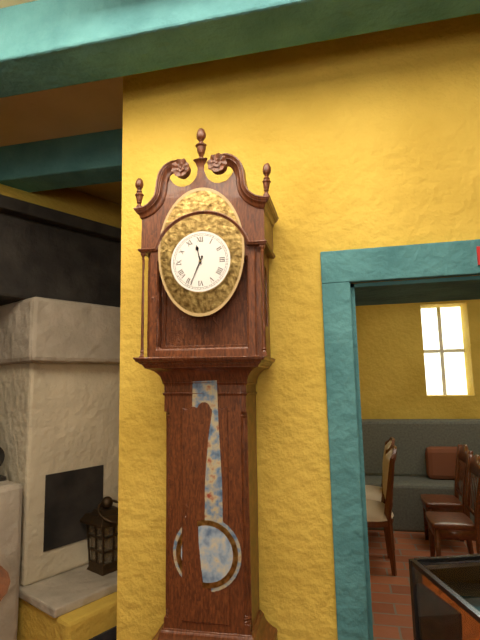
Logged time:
11h34
